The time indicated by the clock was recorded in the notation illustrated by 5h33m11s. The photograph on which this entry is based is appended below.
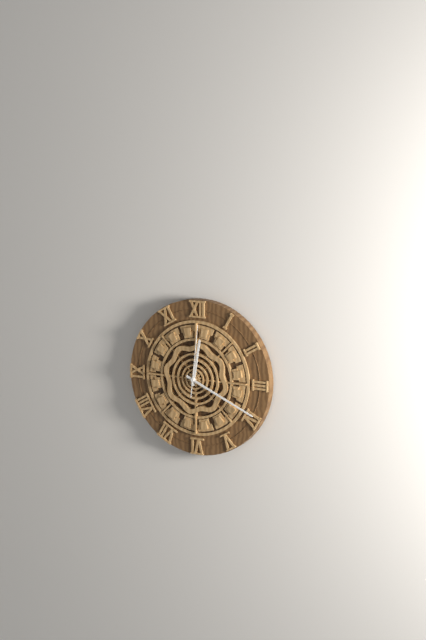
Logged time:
12h19m01s
